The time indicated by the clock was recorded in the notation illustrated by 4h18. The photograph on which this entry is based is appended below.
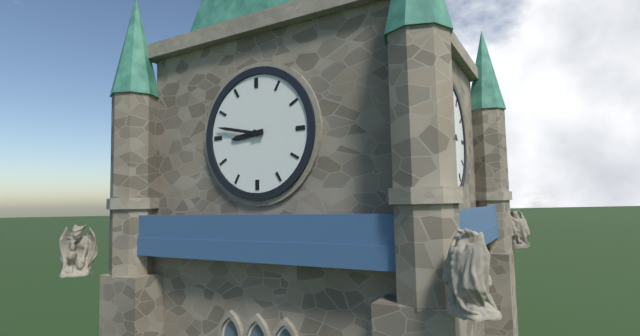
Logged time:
8h47
